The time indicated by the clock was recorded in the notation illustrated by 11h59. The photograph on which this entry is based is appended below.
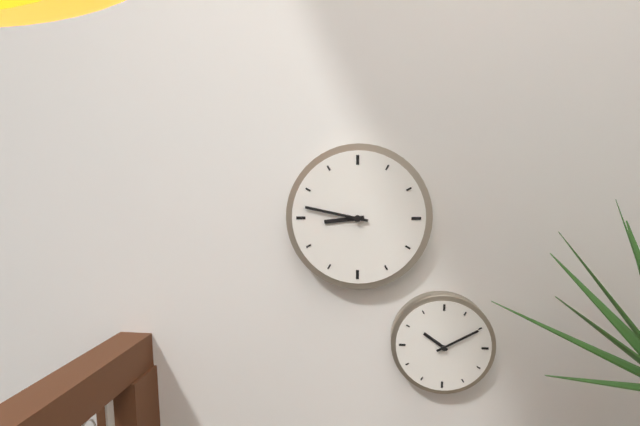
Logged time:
8h47
